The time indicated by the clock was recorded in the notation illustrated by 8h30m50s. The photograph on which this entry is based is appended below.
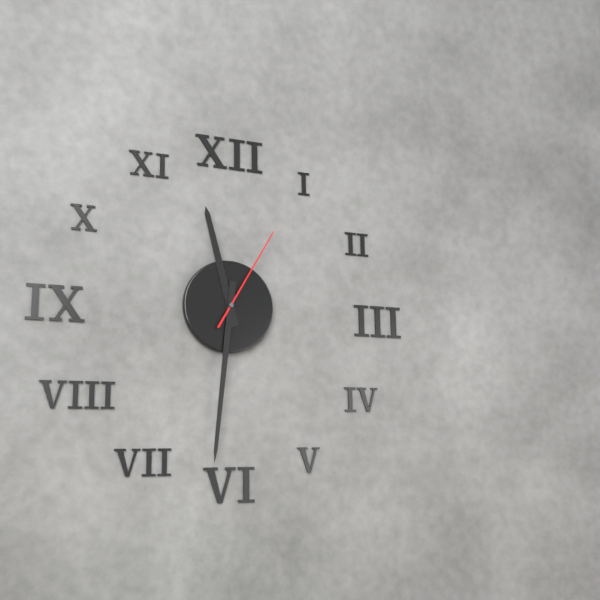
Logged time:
11h31m05s
